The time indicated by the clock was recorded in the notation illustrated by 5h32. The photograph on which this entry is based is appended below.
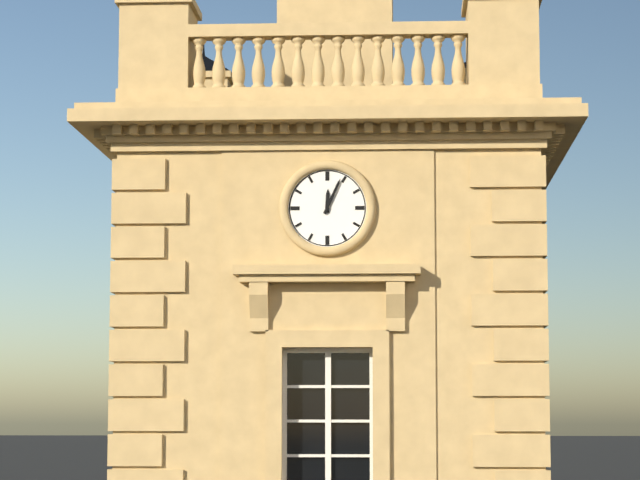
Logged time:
12h04
